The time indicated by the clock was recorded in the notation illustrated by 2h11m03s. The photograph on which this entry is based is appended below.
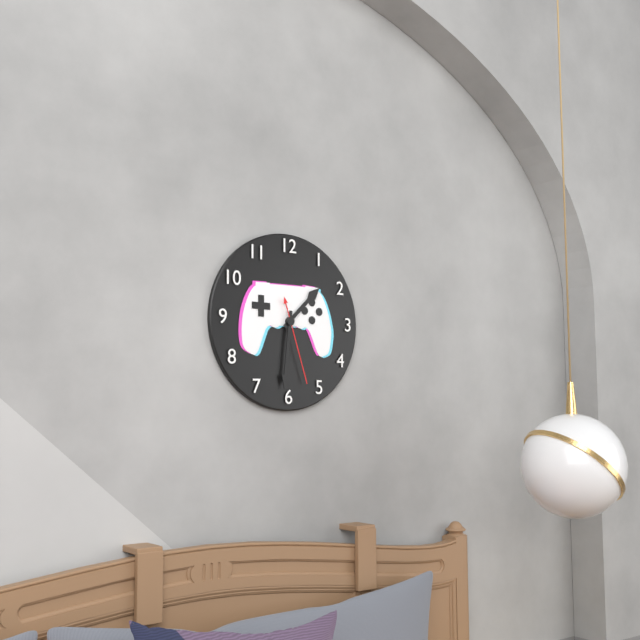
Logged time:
1h31m27s
